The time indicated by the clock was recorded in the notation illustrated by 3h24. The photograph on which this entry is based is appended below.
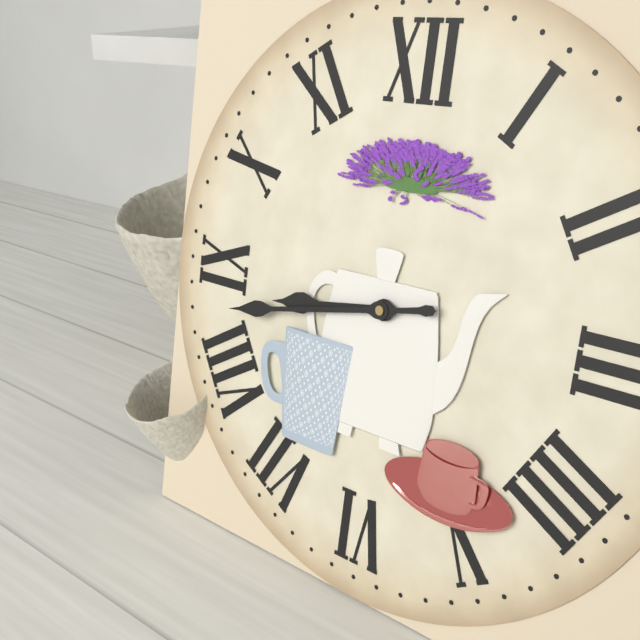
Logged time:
8h43
